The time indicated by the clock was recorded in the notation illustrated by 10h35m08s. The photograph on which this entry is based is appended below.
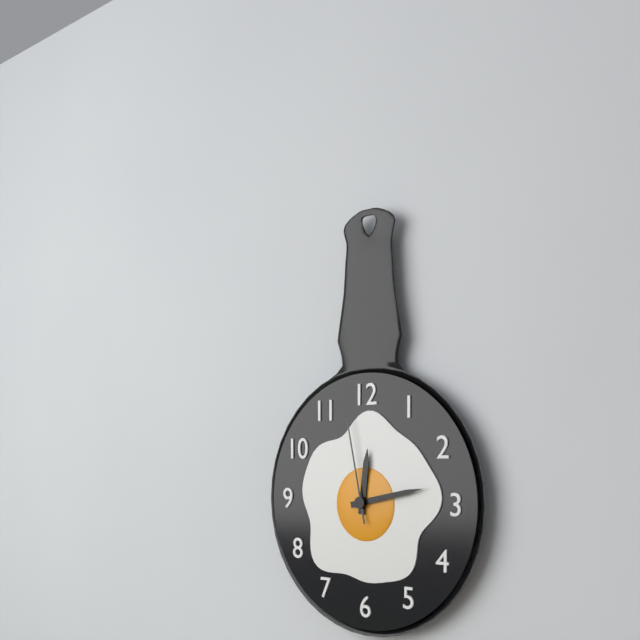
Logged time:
12h13m58s
